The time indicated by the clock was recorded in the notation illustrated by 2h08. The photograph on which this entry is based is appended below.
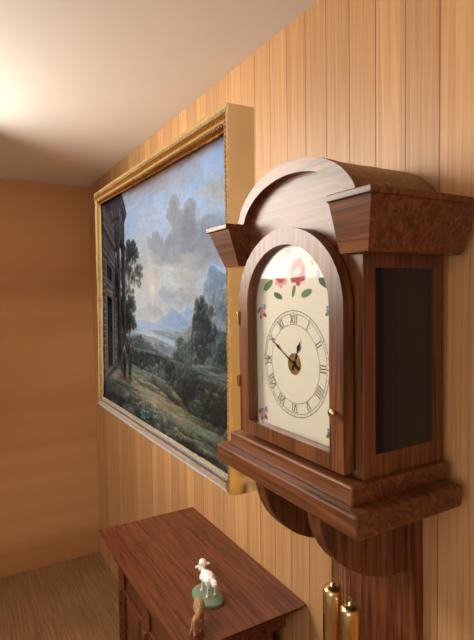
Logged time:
12h50
